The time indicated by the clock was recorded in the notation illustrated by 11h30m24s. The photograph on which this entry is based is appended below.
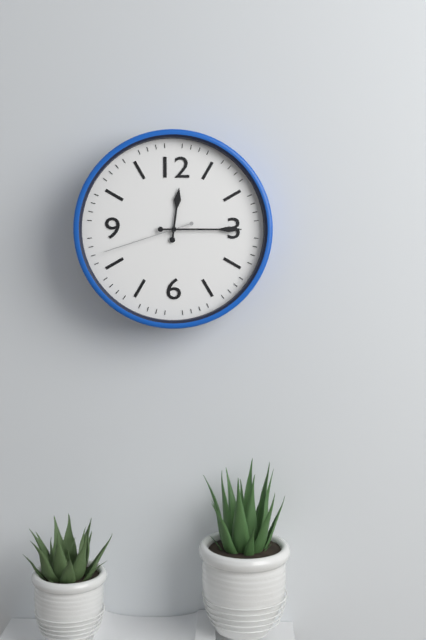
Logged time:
12h15m42s
